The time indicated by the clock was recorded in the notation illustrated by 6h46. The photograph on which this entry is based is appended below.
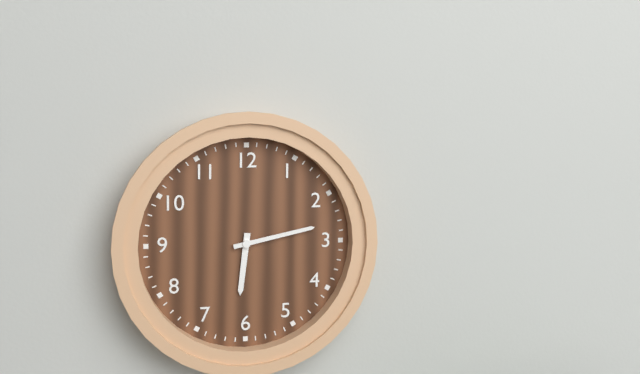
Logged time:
6h13
